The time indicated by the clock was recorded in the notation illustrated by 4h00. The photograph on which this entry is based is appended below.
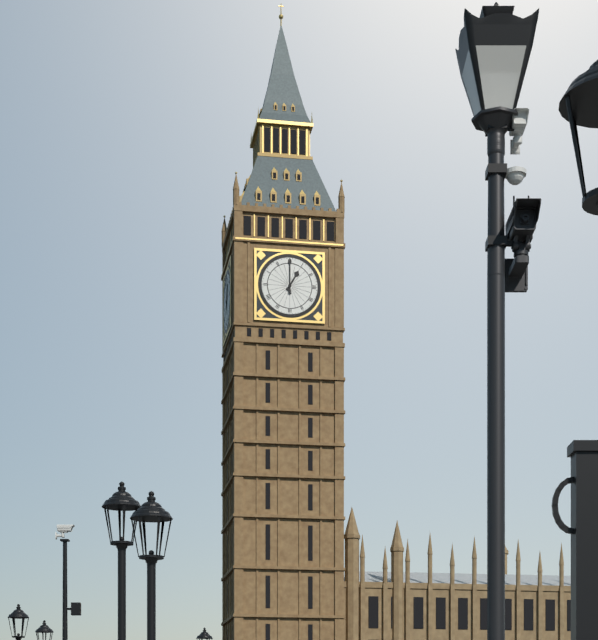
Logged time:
1h00
